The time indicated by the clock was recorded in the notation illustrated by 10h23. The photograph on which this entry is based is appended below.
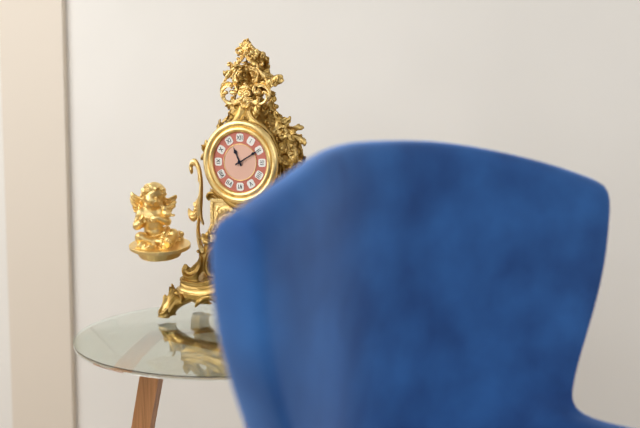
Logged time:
11h10
